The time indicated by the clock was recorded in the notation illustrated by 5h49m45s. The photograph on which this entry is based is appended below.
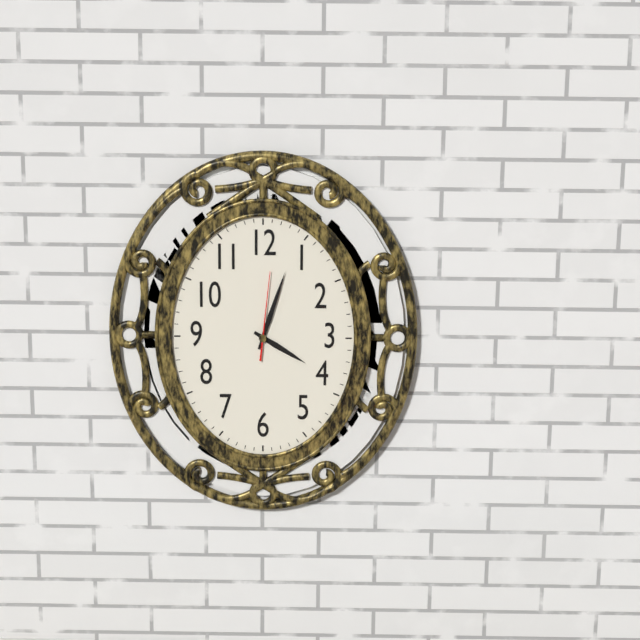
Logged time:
4h03m01s
